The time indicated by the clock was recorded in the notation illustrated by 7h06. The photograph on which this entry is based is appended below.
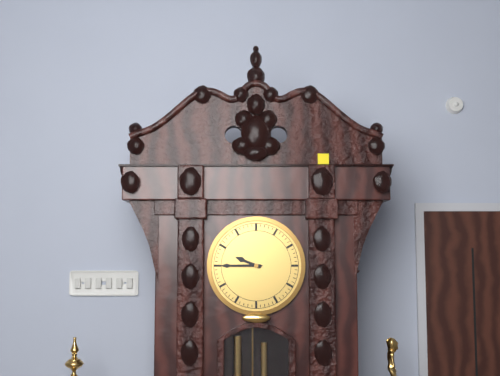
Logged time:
9h45
